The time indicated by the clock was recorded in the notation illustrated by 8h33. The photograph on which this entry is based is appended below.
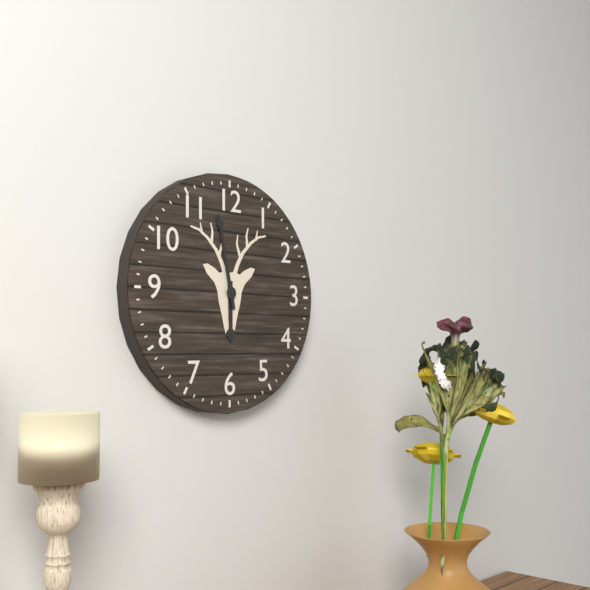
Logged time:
5h58
